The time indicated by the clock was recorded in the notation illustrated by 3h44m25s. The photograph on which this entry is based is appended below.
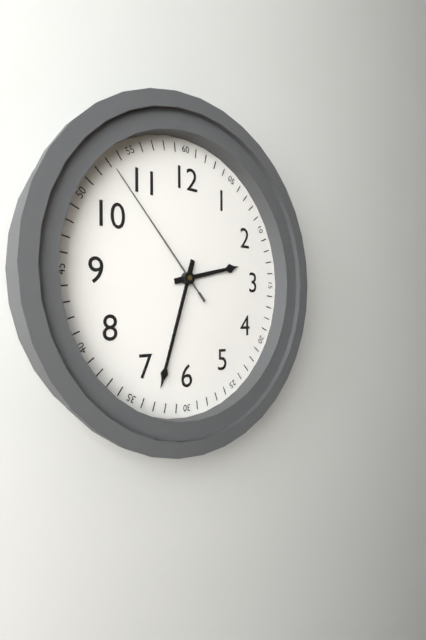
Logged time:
2h33m53s
